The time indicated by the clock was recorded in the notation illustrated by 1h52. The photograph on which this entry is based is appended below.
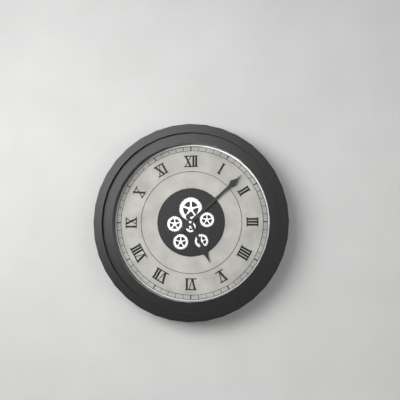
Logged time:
5h08
